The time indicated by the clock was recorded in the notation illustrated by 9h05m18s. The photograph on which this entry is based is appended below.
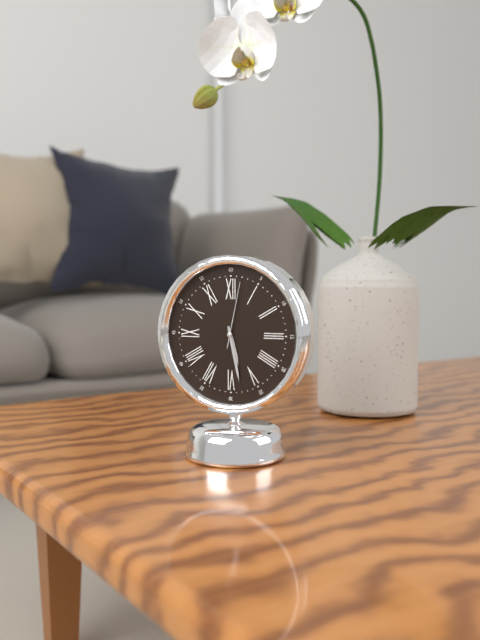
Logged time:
5h28m02s
